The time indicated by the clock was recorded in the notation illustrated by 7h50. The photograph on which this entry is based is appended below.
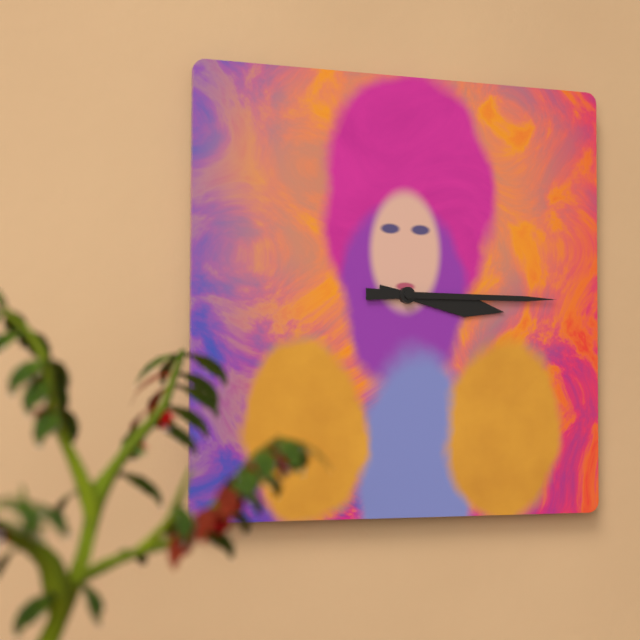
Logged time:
3h15
